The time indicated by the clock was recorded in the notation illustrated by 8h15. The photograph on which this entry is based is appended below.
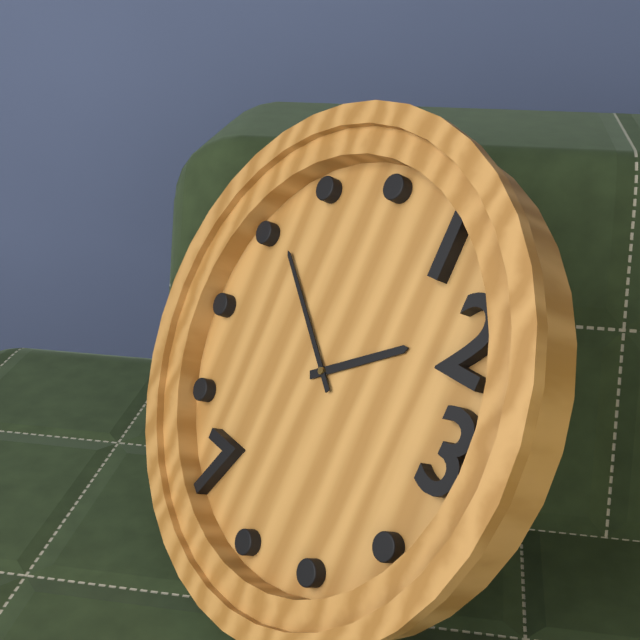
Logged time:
1h51
